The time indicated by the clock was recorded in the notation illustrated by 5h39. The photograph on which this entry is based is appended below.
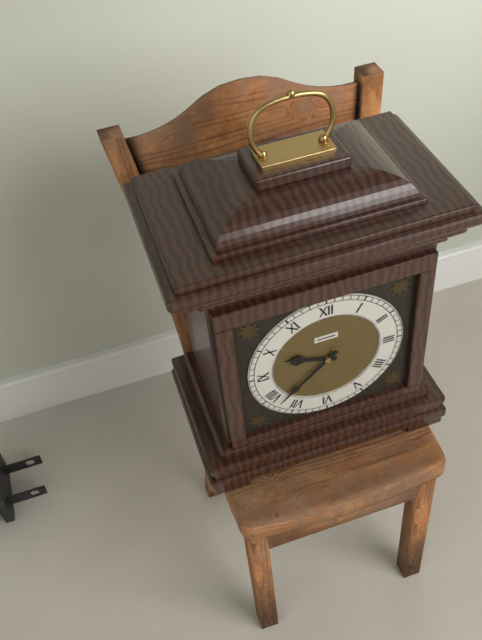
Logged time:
9h38
